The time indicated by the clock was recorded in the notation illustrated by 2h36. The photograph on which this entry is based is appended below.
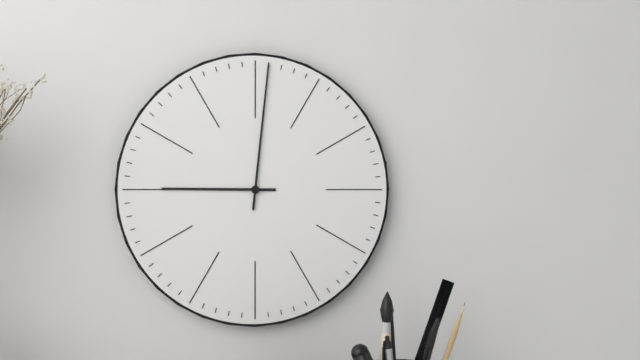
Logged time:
9h01
